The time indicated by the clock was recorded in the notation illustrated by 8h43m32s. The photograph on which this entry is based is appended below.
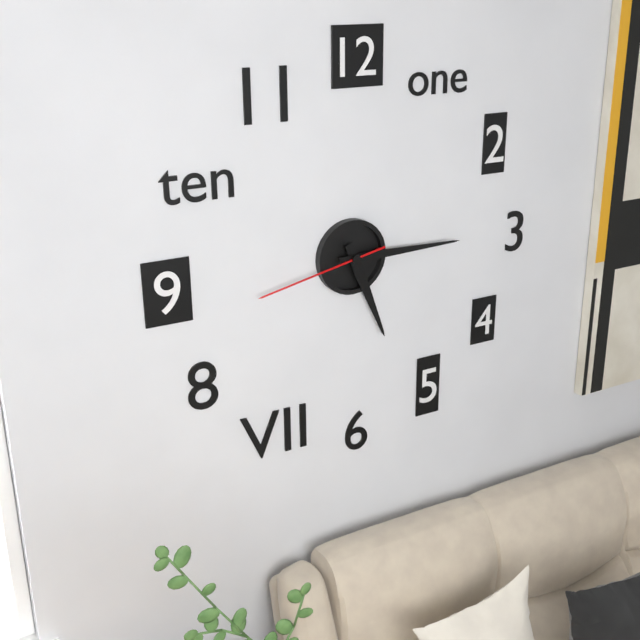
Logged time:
5h15m43s
